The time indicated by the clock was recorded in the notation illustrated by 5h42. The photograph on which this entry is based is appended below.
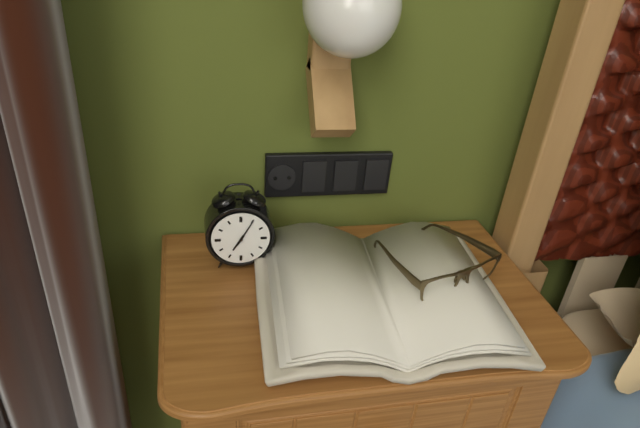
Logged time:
7h05
